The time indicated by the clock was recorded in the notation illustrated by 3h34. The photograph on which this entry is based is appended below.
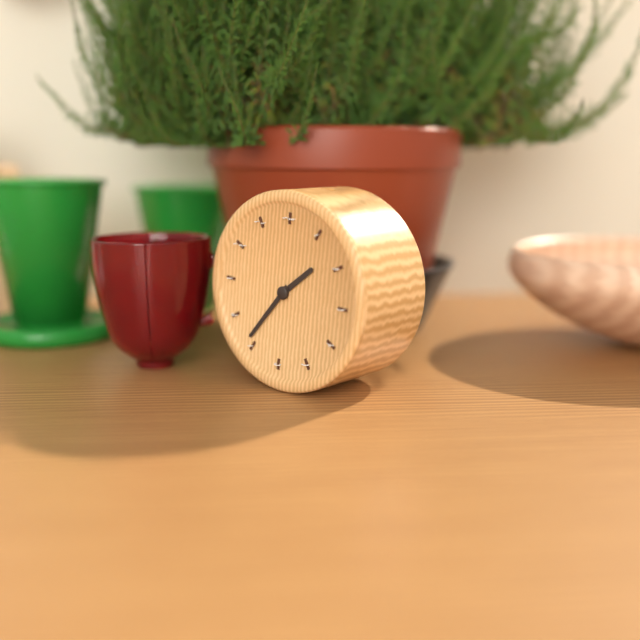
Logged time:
1h36
